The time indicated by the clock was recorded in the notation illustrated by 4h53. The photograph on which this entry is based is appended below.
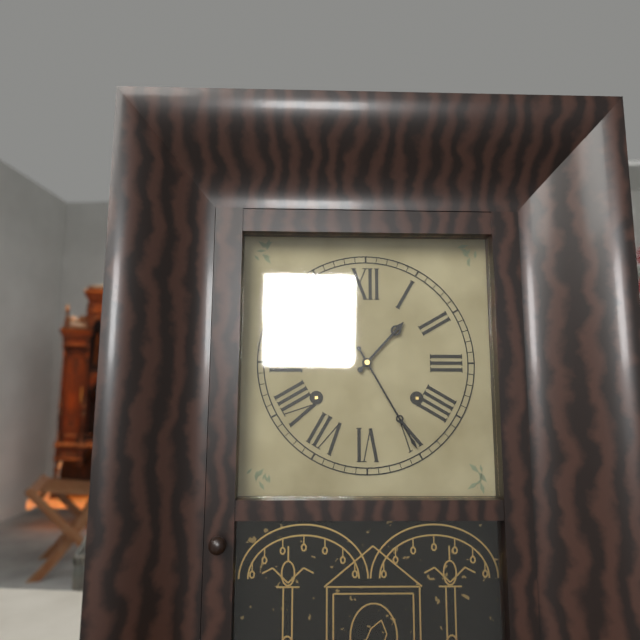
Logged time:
1h25
